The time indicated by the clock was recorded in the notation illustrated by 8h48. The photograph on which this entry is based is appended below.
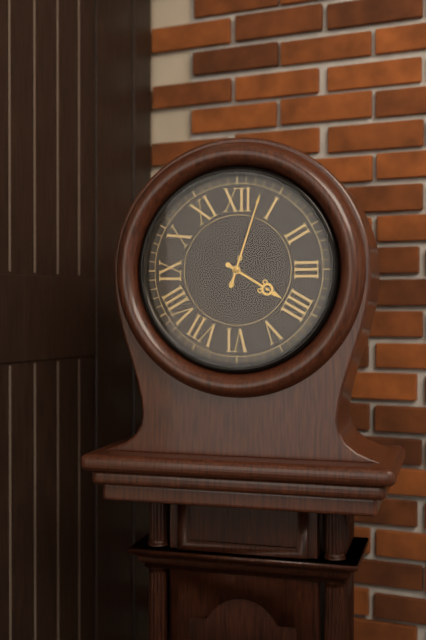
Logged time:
4h03
